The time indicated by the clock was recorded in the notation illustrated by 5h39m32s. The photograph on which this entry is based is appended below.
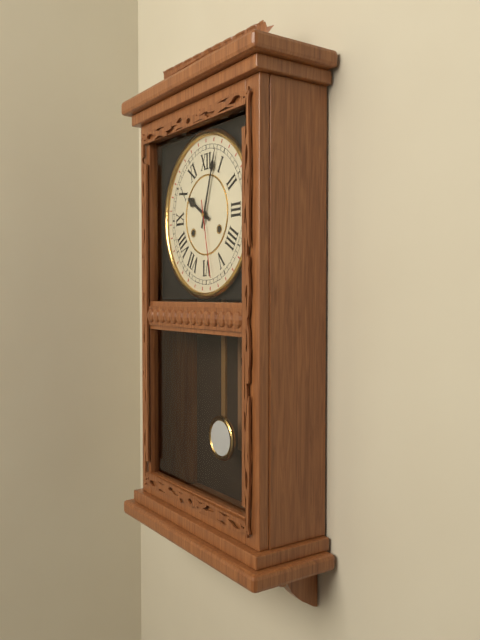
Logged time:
10h03m28s
